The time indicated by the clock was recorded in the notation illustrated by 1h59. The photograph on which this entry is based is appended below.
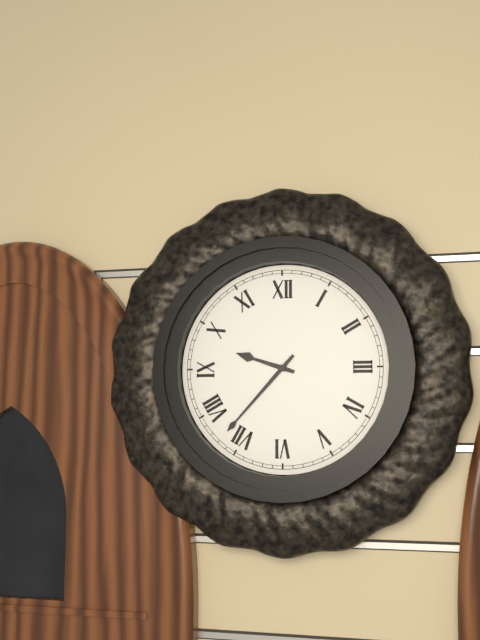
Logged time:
9h37
